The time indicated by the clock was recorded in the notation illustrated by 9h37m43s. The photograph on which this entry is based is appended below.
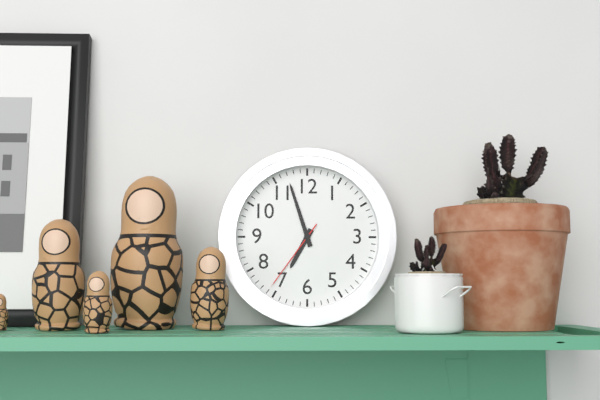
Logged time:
6h57m36s
